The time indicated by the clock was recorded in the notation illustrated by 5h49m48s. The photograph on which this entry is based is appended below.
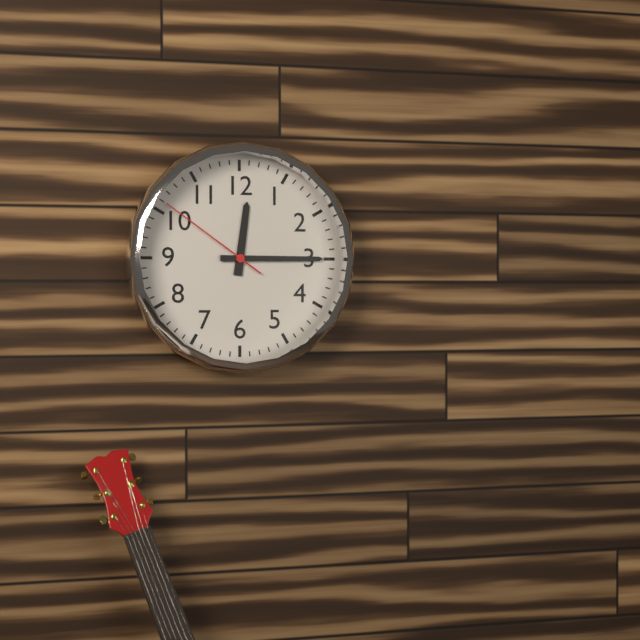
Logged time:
12h15m51s
